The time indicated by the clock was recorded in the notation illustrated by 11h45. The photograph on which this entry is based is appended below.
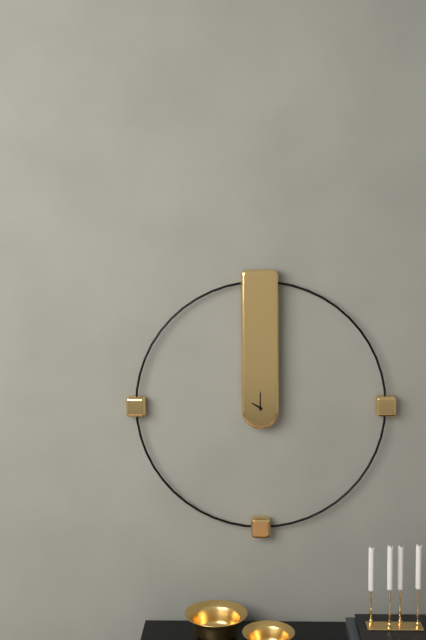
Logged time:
10h00
